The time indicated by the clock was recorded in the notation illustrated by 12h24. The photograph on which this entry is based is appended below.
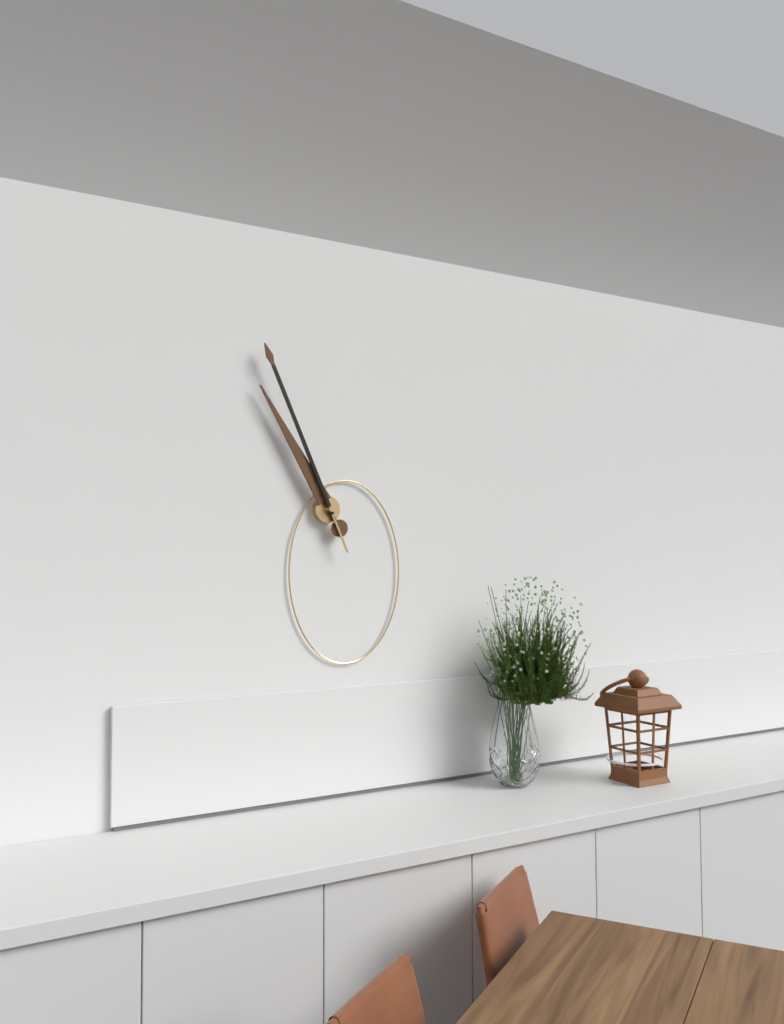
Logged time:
10h56
